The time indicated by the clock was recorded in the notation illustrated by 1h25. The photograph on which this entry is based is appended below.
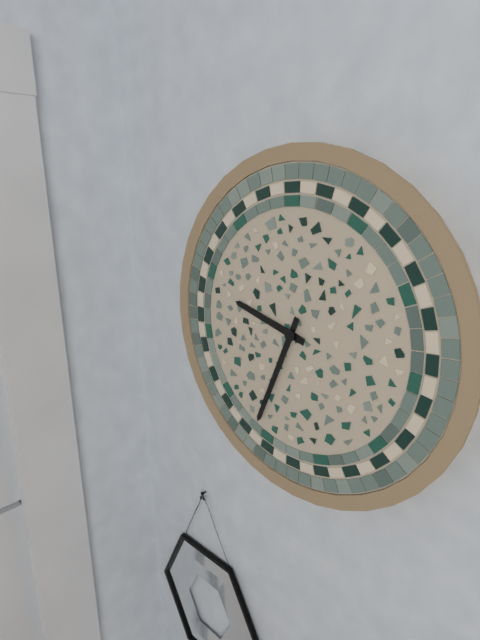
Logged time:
9h34
